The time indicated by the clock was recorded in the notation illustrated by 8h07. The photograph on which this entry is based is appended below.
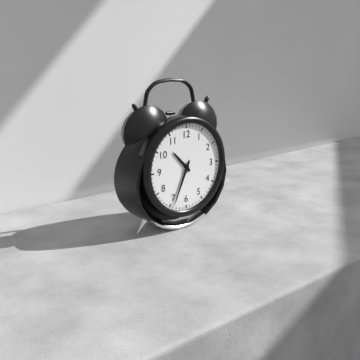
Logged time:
10h34
